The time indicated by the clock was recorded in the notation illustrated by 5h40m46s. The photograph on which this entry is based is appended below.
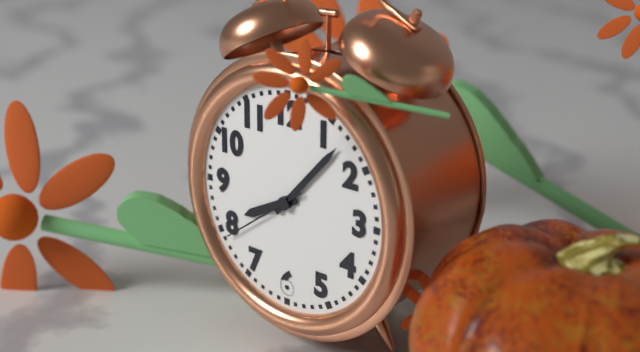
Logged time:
8h07m39s
